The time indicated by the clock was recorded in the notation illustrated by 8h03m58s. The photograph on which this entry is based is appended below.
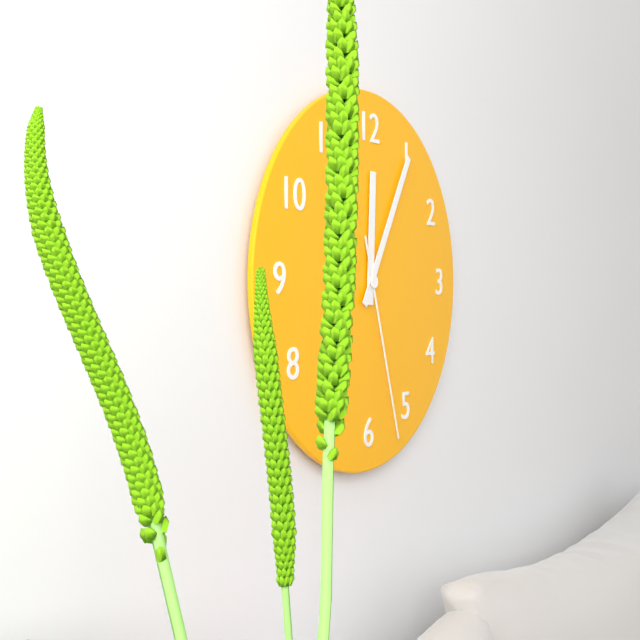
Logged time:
12h05m27s
